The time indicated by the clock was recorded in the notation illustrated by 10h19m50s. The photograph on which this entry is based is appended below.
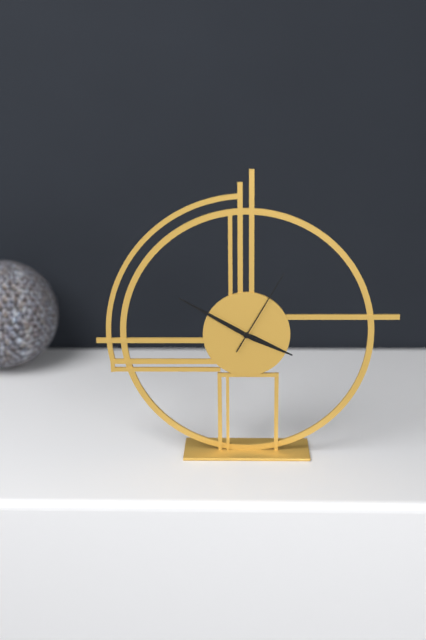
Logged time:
3h50m05s
